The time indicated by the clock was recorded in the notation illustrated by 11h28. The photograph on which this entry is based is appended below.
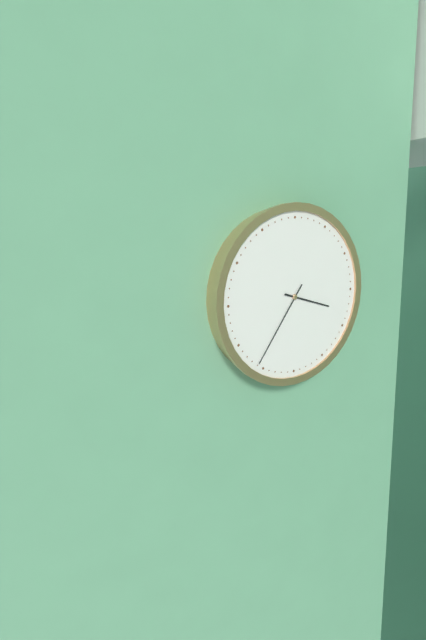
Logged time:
3h36
